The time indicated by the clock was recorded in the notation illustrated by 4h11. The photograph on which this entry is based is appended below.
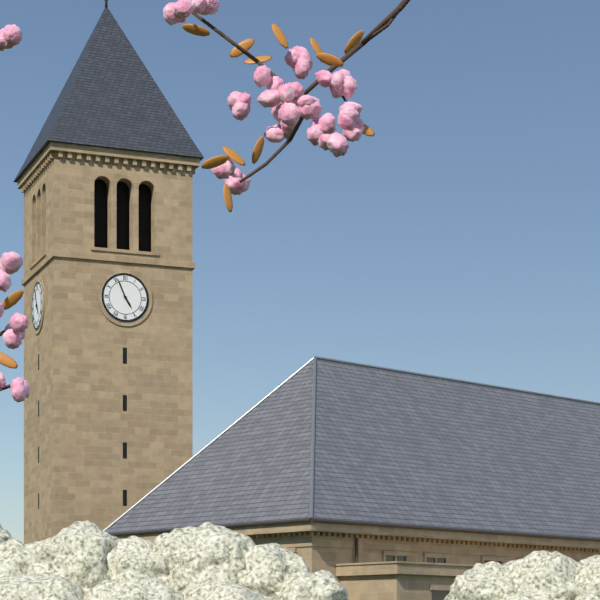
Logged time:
4h56
